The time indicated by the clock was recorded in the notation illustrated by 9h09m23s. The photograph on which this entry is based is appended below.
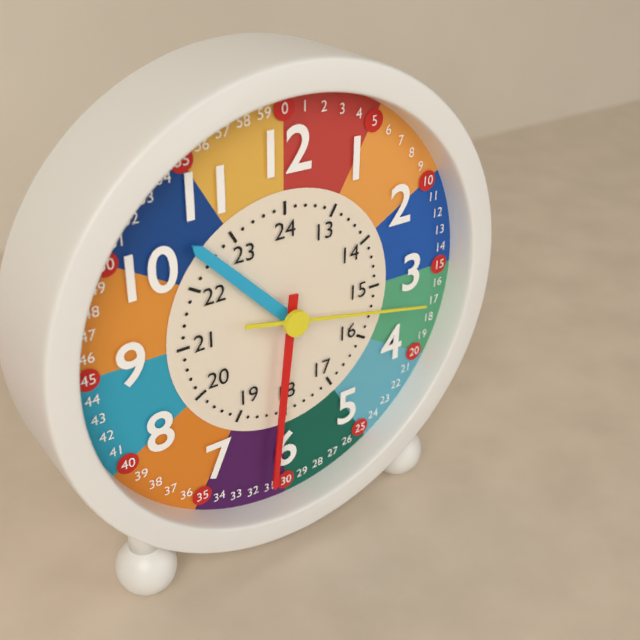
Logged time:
10h31m17s
